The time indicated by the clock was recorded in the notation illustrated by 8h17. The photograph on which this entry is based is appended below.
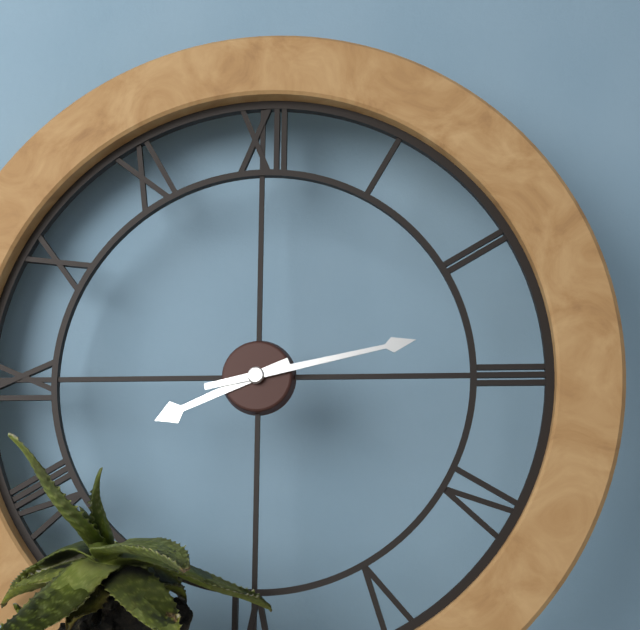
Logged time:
8h13
